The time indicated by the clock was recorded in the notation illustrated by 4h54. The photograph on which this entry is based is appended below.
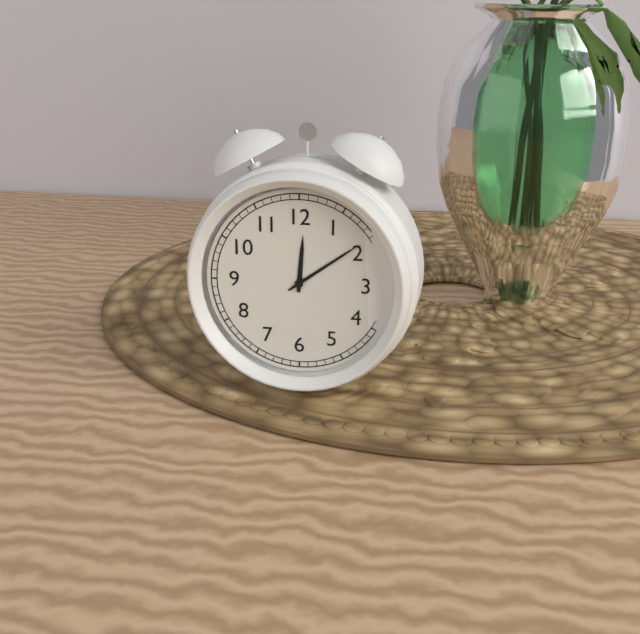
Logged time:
12h09
